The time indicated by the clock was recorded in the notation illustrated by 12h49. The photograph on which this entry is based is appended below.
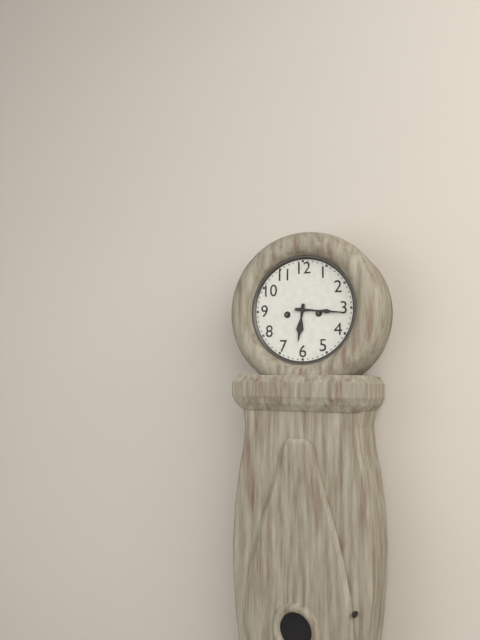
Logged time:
6h16
